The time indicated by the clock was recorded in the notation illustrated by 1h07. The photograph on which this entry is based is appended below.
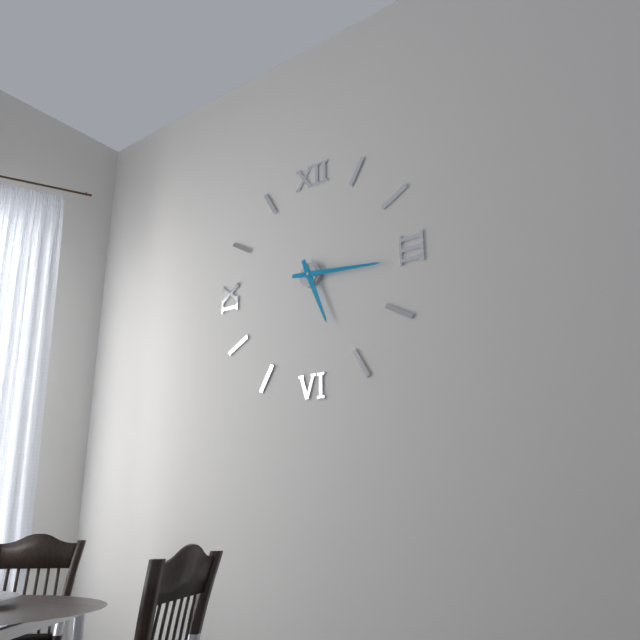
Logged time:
5h16
